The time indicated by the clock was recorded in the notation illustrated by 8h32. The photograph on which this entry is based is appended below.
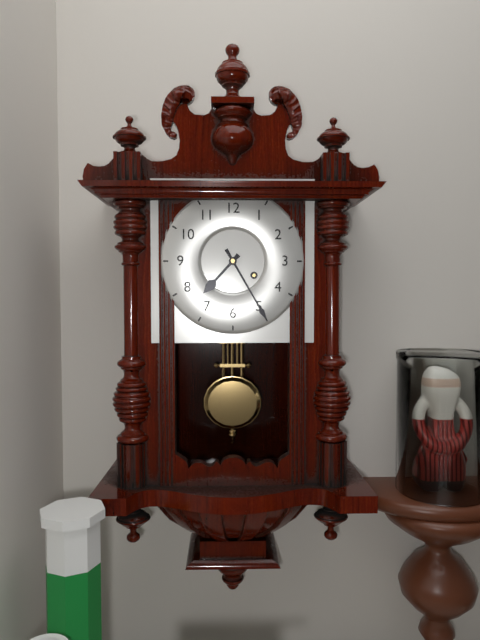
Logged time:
7h25
